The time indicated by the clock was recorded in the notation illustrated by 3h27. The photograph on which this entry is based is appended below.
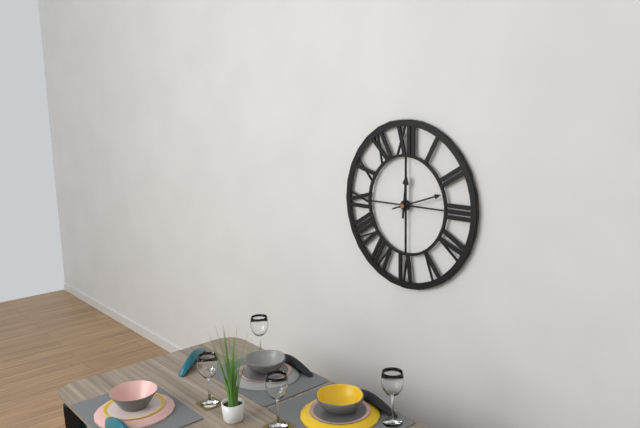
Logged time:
12h12
